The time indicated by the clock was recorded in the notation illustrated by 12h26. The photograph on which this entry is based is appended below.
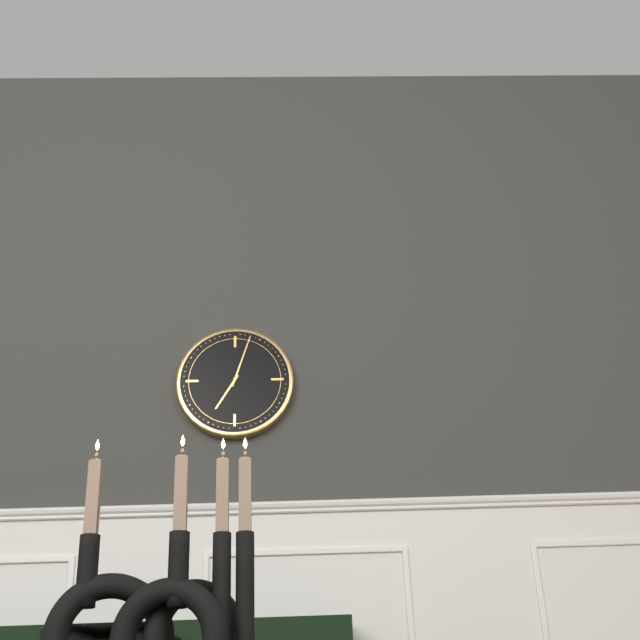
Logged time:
7h03
